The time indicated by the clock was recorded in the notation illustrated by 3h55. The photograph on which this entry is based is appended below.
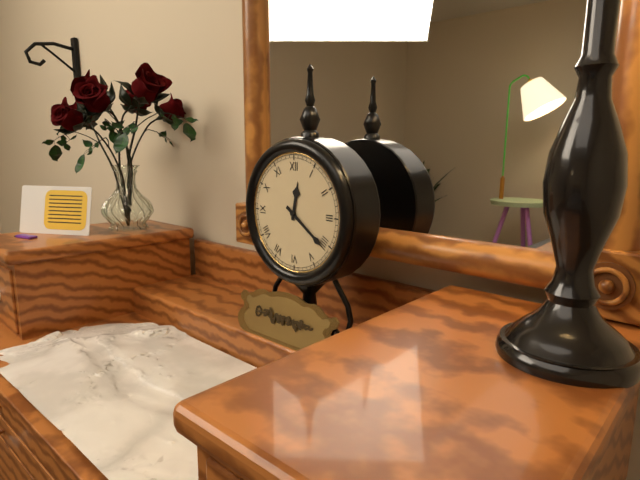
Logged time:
12h21
